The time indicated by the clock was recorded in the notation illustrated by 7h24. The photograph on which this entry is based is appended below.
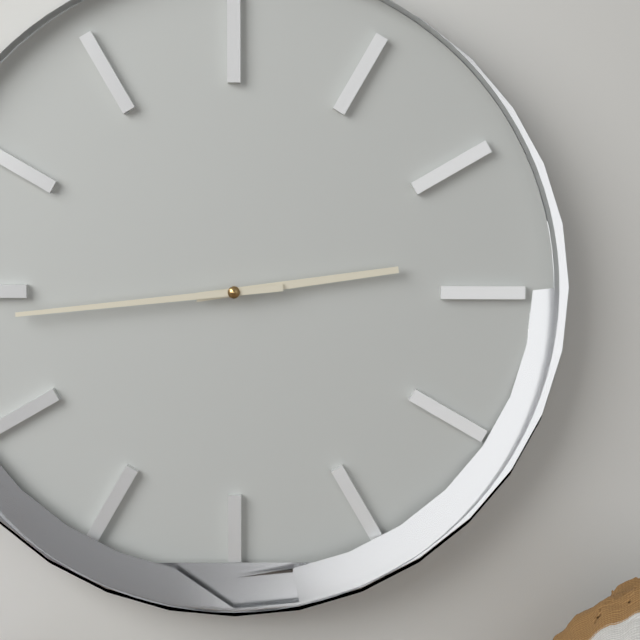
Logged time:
2h44
